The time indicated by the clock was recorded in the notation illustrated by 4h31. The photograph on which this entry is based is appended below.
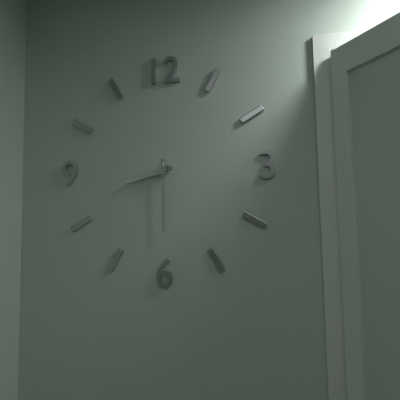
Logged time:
8h30
